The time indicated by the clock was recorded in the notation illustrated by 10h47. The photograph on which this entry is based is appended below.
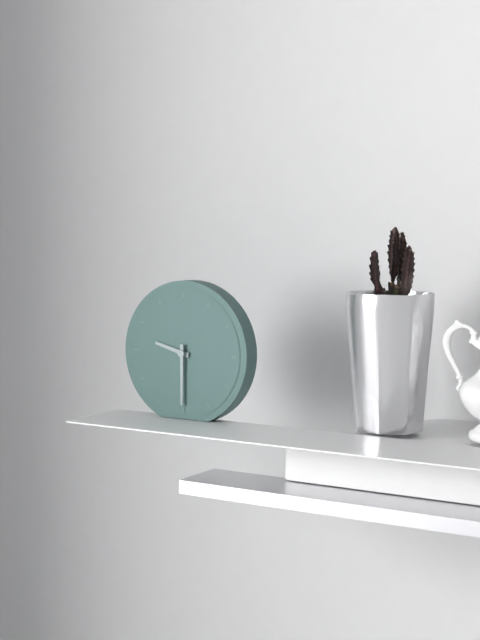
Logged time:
9h30
